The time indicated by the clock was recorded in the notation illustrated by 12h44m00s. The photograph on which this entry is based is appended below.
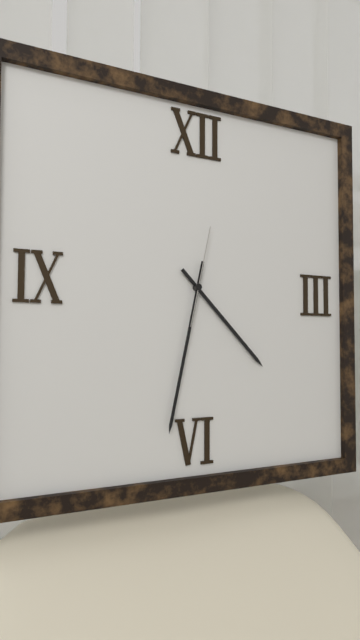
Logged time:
4h32m02s
